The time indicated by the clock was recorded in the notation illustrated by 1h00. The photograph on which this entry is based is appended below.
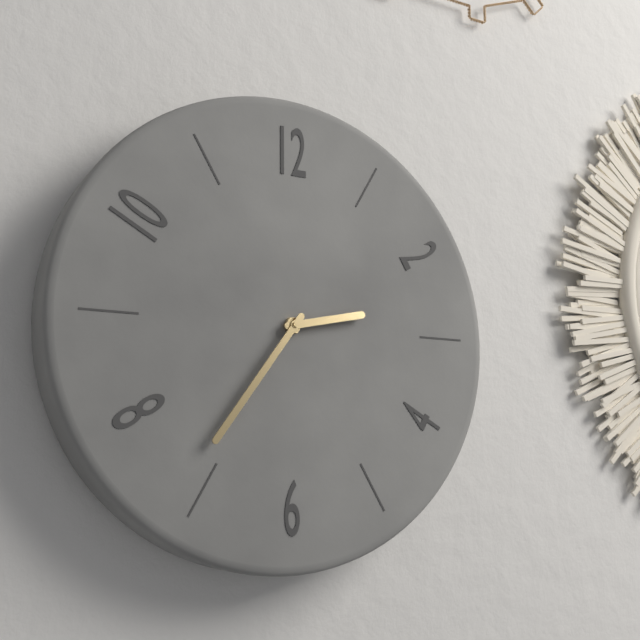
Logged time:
2h36
